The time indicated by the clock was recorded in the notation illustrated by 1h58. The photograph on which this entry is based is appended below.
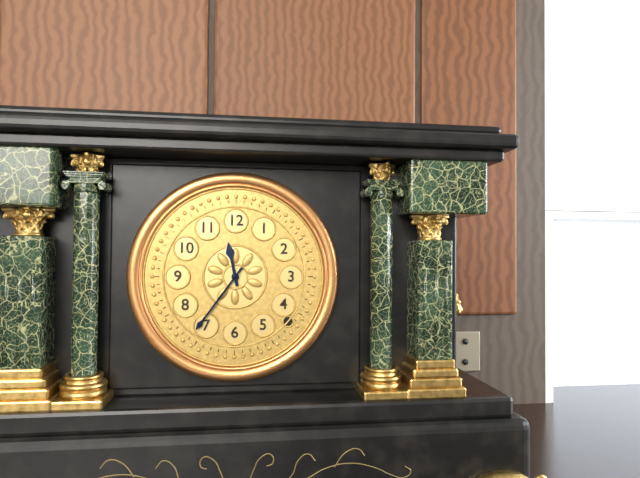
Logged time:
11h36
